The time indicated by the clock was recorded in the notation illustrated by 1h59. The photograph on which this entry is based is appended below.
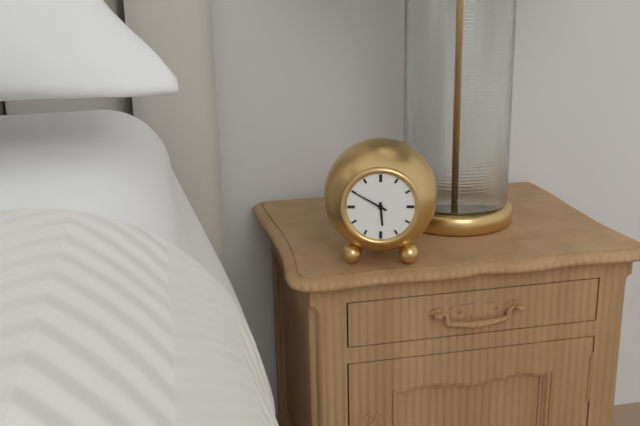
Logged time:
5h50
